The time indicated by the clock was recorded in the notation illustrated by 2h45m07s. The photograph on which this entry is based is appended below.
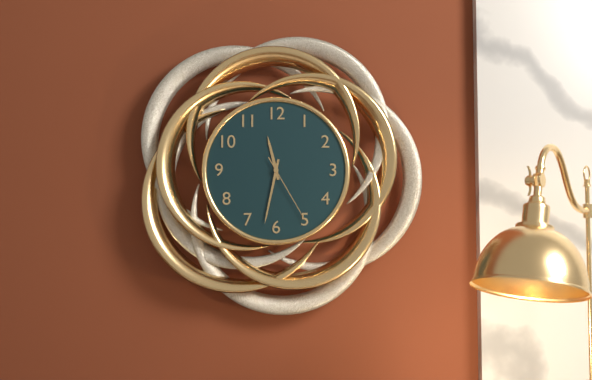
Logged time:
11h32m25s
